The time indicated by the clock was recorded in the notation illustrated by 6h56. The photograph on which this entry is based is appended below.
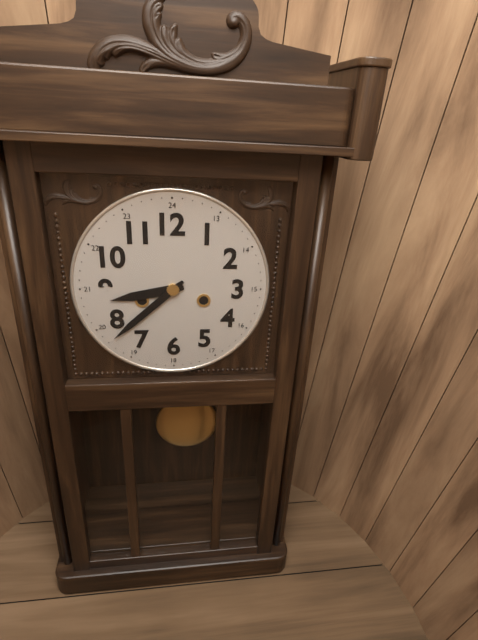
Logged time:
8h38
